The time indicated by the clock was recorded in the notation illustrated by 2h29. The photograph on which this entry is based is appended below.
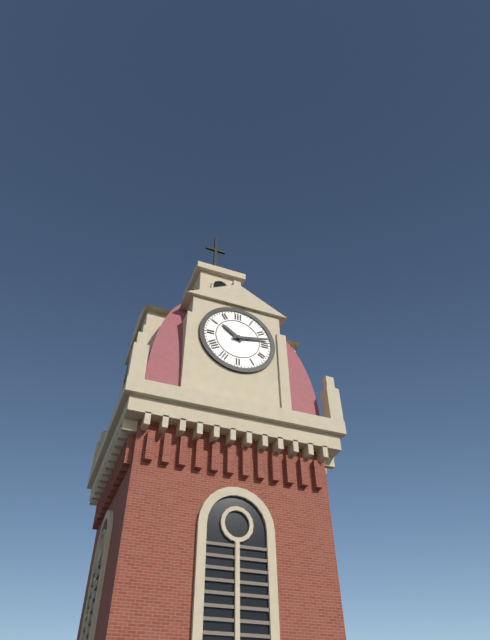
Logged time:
10h13
